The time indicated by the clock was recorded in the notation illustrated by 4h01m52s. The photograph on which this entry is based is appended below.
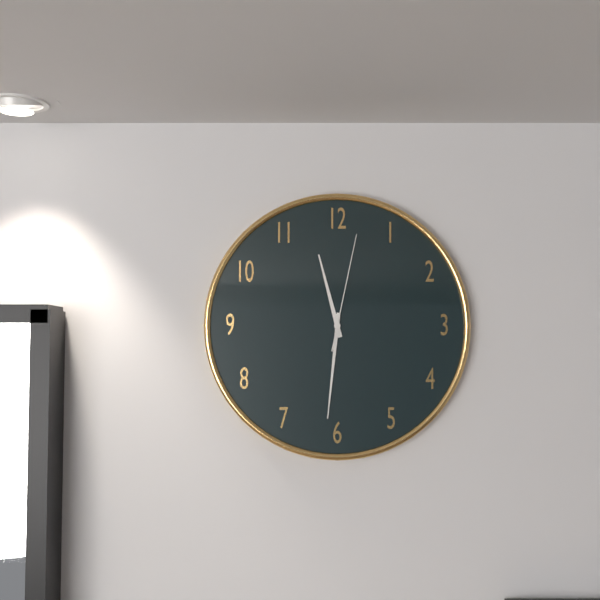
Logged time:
11h31m02s
